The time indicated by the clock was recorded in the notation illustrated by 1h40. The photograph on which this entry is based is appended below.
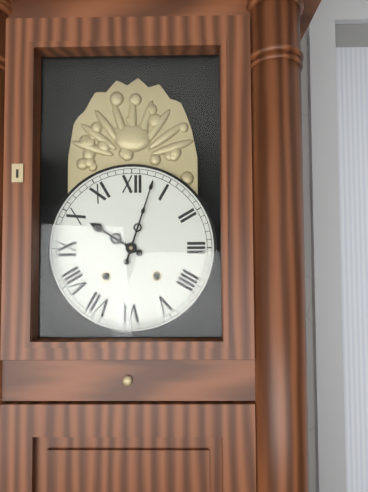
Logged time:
10h03
